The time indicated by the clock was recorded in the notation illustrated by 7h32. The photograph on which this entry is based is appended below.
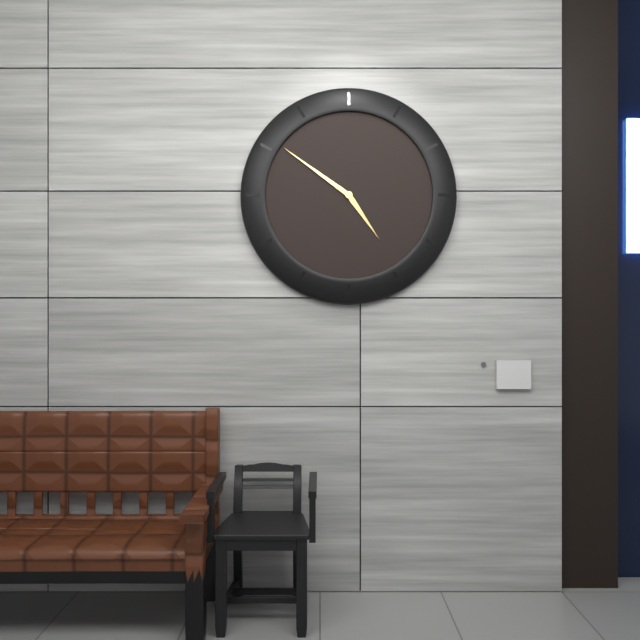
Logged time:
4h51
